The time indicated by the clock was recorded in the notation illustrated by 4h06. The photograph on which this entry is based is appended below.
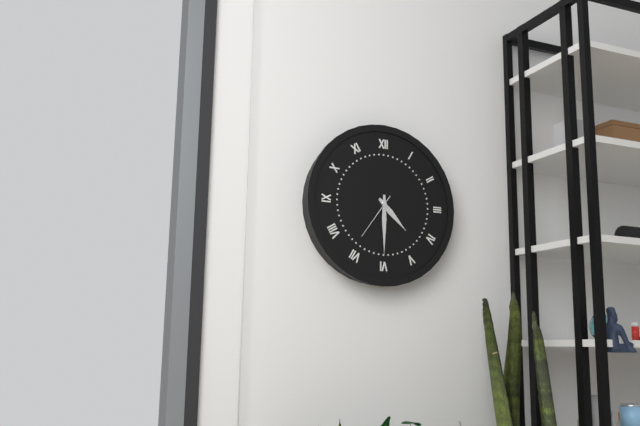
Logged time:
4h30
